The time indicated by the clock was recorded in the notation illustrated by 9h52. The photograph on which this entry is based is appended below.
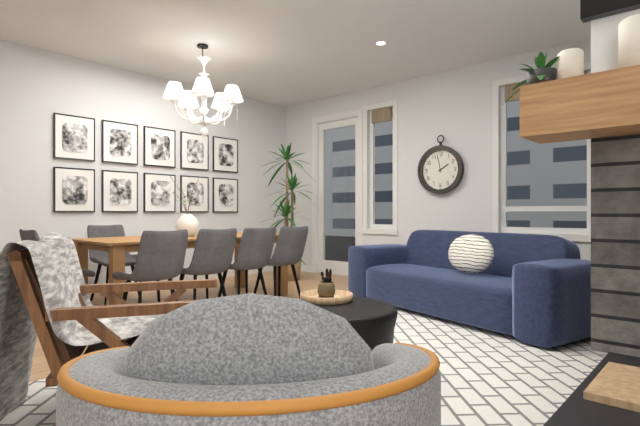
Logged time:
1h58
